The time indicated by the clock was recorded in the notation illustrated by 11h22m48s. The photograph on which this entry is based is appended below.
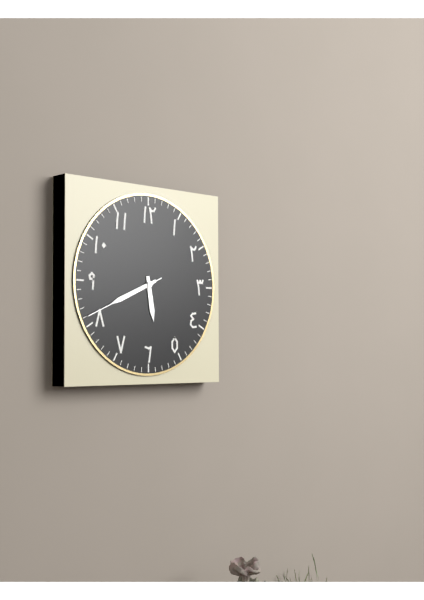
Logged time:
5h41m41s
